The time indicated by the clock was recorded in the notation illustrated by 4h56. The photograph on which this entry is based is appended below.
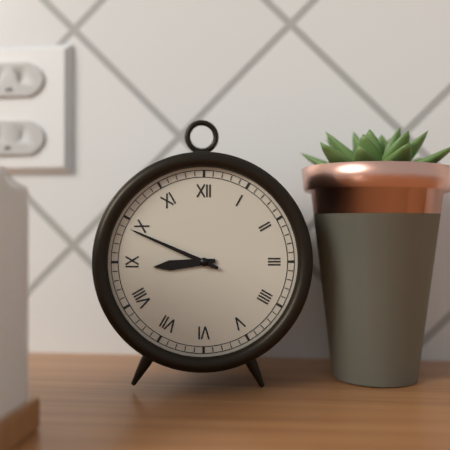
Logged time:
8h49
